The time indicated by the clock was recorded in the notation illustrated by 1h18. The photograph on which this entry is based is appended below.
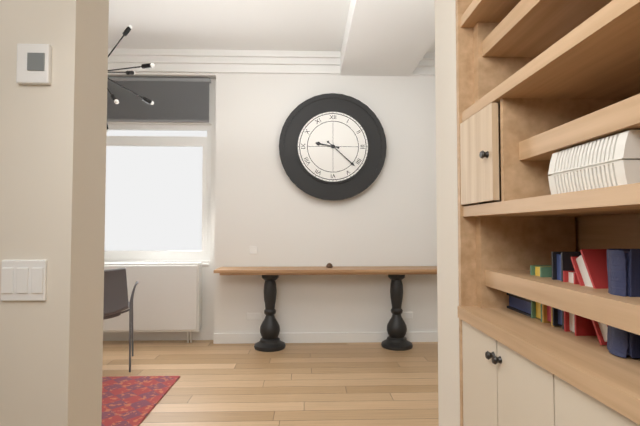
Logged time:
9h22
